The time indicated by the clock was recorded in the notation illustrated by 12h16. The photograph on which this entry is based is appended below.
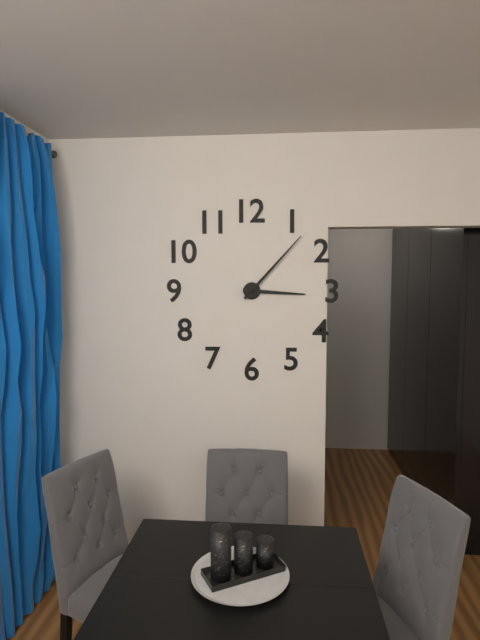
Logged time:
3h07
